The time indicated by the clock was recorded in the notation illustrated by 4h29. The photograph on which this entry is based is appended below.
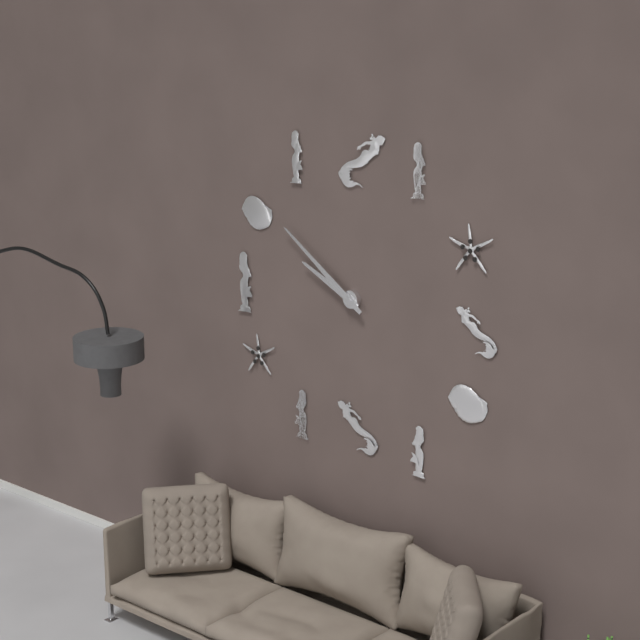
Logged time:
9h51
